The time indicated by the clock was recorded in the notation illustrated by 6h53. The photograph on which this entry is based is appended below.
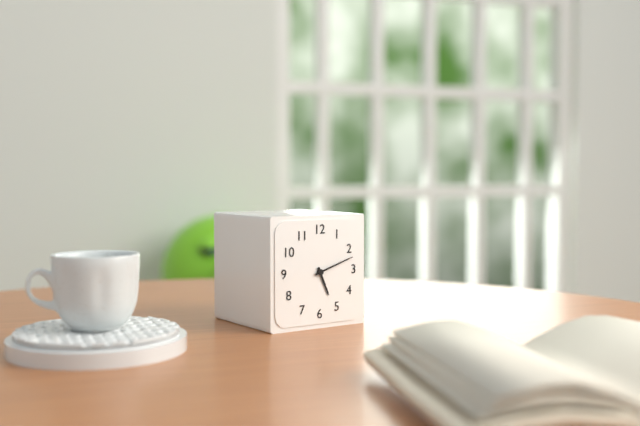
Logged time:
5h12
